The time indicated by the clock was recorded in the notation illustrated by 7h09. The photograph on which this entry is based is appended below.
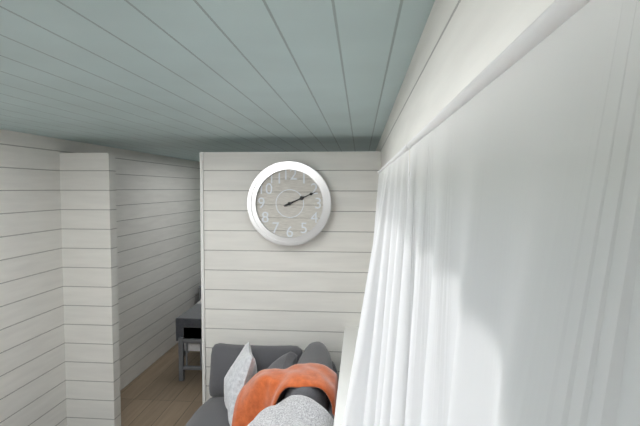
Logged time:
2h11
